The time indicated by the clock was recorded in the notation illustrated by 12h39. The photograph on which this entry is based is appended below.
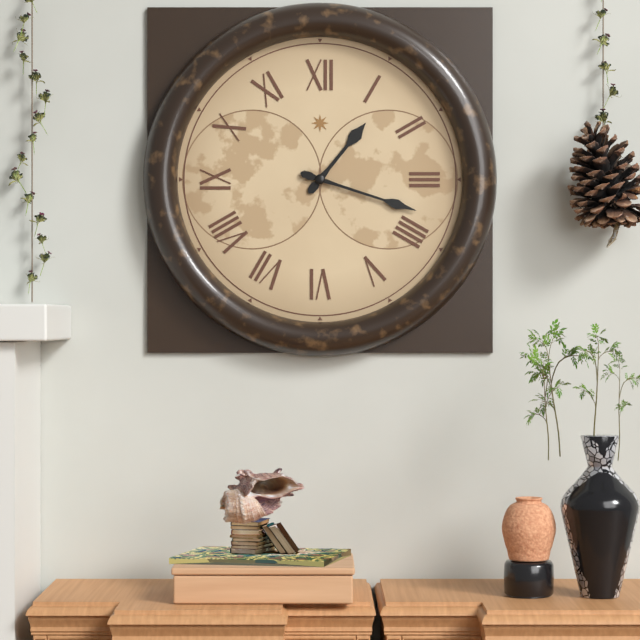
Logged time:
1h18
